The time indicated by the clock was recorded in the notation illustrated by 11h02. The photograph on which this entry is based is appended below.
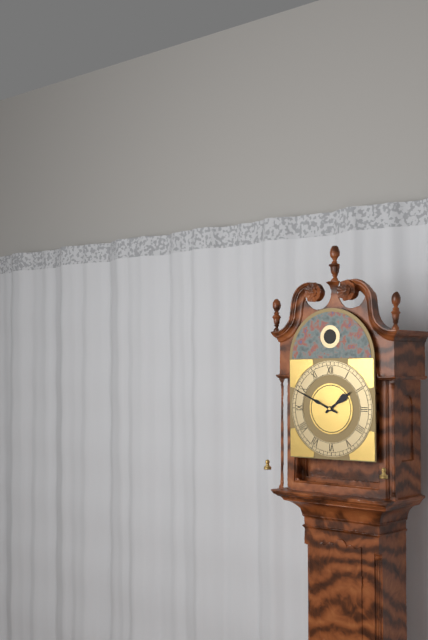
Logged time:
1h49
